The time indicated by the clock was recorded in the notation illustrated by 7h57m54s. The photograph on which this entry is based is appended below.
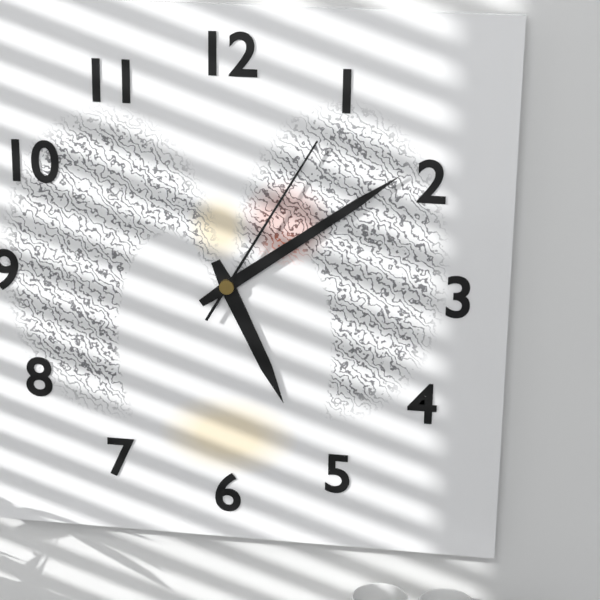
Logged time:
5h09m05s
